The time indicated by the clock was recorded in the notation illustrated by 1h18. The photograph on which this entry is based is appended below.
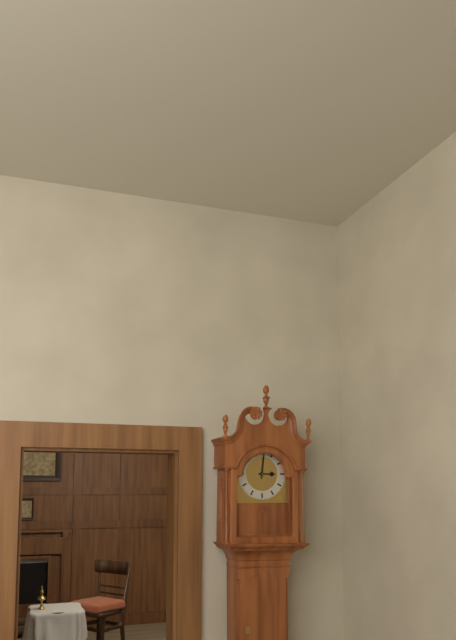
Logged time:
3h01
